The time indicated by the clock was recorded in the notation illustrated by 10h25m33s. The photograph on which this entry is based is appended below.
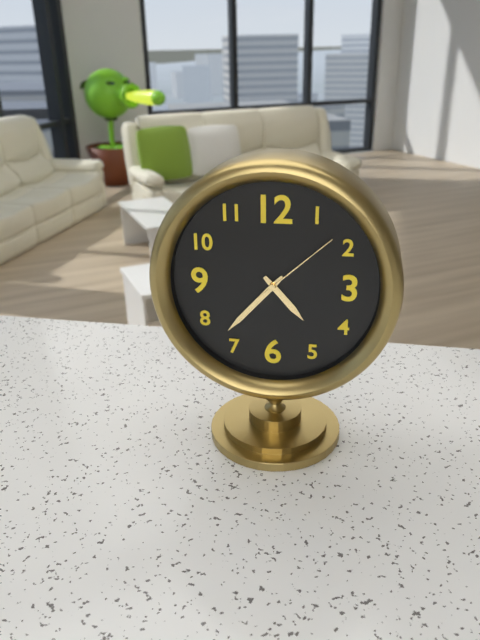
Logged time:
4h37m08s
